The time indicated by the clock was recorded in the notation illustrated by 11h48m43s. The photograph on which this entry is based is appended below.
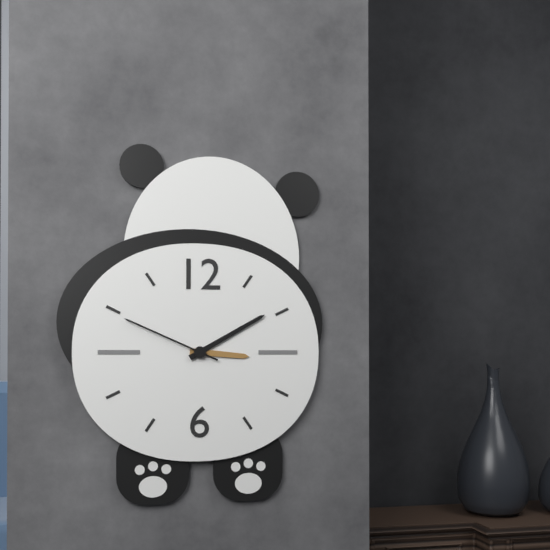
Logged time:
3h10m49s
